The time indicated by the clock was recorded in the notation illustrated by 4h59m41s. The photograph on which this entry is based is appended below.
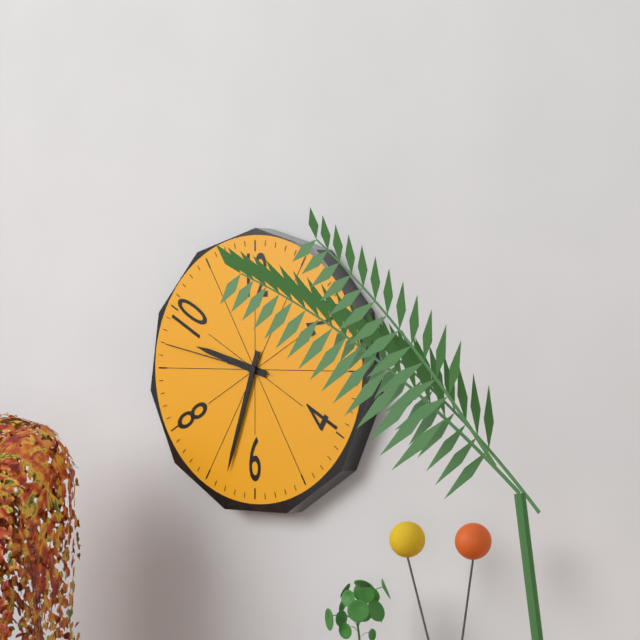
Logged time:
9h33m47s
